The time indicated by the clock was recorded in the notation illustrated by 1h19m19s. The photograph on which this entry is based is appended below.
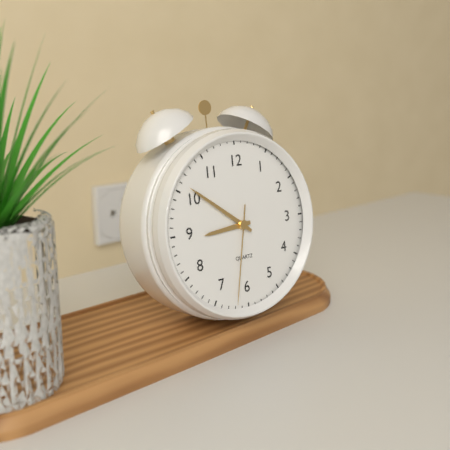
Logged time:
8h51m32s
